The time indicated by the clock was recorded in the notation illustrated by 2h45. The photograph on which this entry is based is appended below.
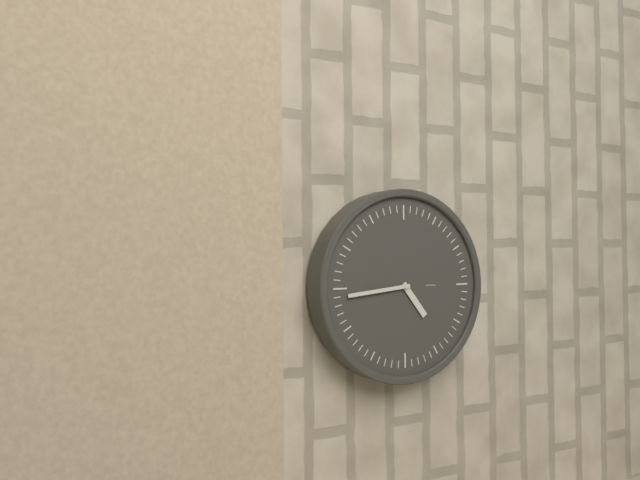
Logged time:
4h44
